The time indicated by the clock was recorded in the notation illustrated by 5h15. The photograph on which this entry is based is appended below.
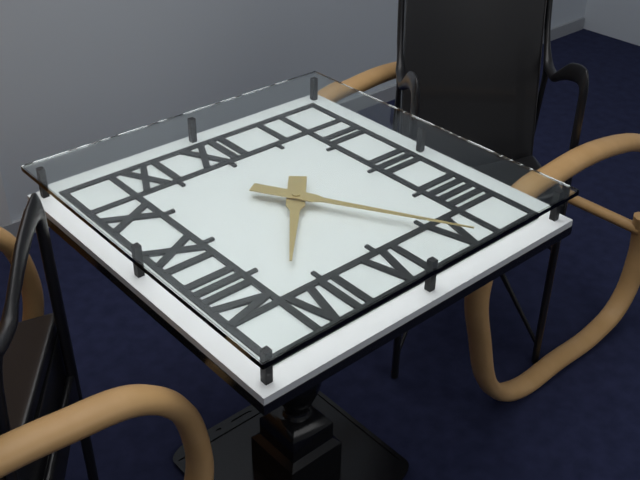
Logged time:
7h25
